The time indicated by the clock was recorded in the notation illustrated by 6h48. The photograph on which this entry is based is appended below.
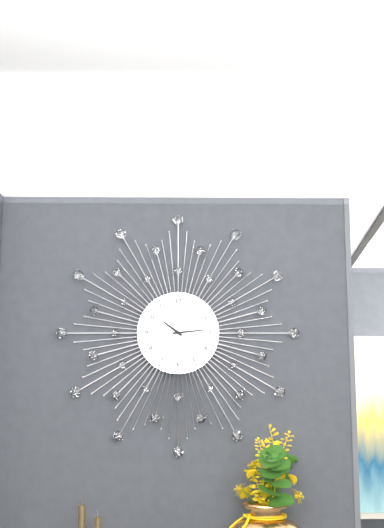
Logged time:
10h14
